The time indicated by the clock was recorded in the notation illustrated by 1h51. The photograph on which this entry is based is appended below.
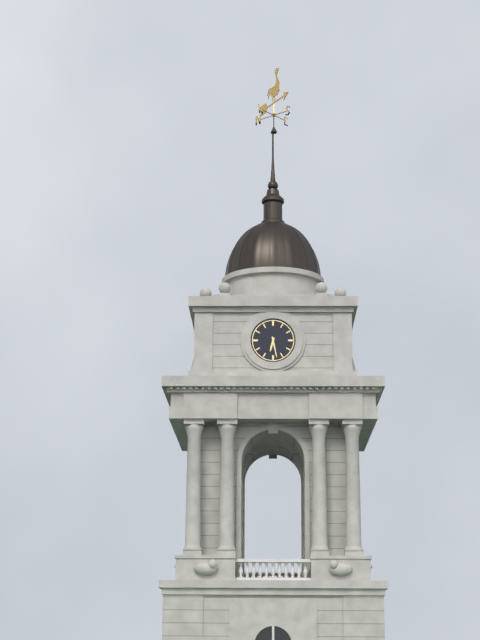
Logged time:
6h28
